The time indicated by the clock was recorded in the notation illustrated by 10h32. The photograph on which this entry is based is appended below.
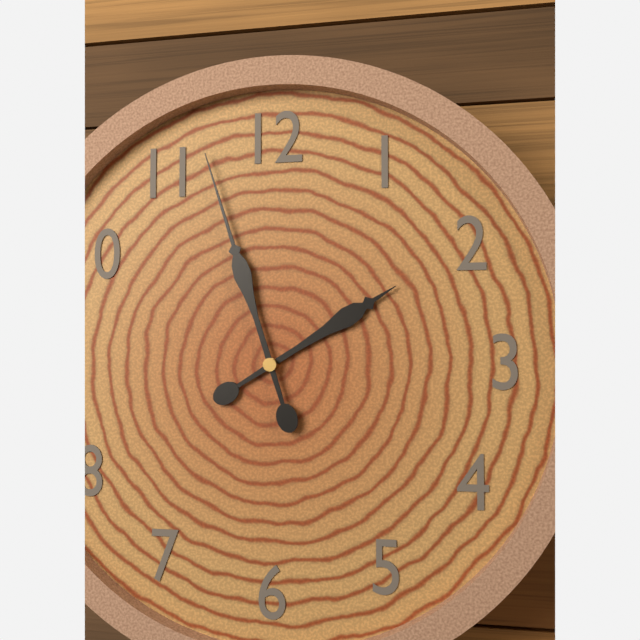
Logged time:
1h57
